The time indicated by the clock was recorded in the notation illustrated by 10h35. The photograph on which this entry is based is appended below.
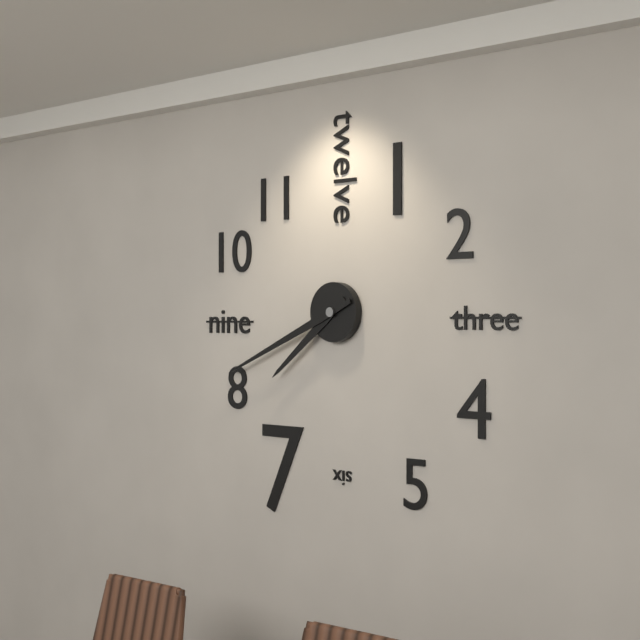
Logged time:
7h41
